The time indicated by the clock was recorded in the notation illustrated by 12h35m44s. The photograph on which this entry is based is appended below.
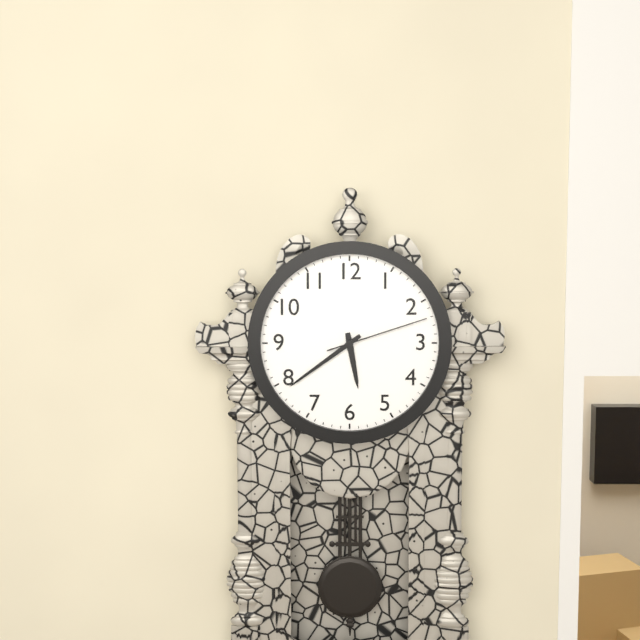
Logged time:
5h39m12s
